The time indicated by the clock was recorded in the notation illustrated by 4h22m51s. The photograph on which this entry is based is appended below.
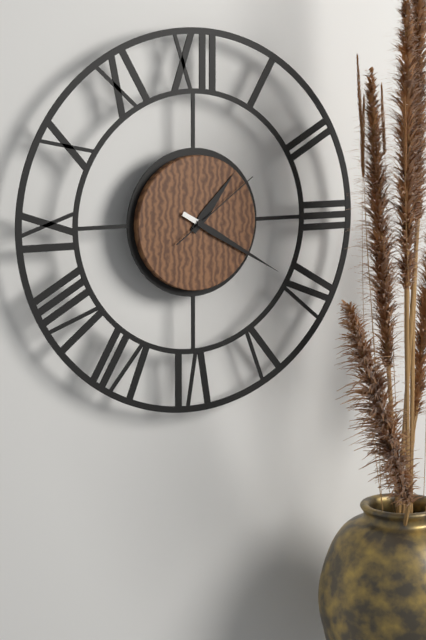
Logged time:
1h20m09s
